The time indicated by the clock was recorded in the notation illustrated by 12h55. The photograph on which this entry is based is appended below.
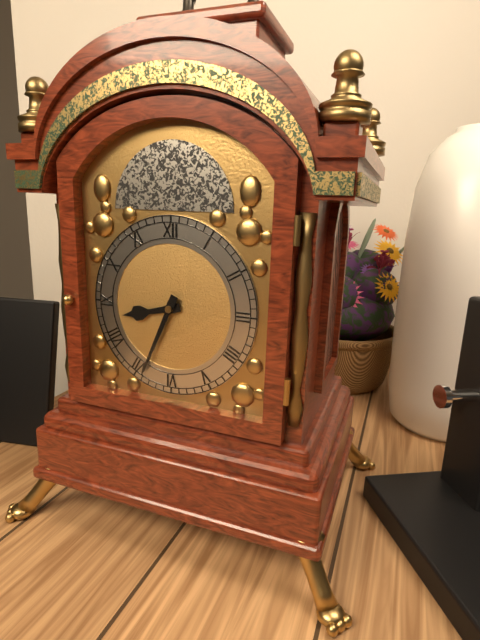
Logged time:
8h34
